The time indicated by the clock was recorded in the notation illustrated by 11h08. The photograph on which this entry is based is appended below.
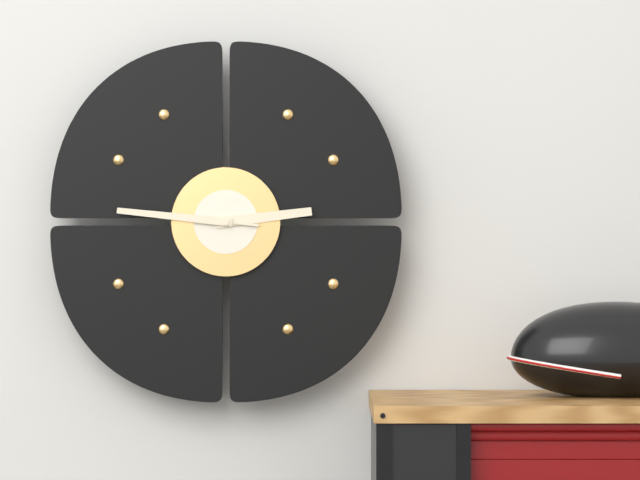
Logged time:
2h46
